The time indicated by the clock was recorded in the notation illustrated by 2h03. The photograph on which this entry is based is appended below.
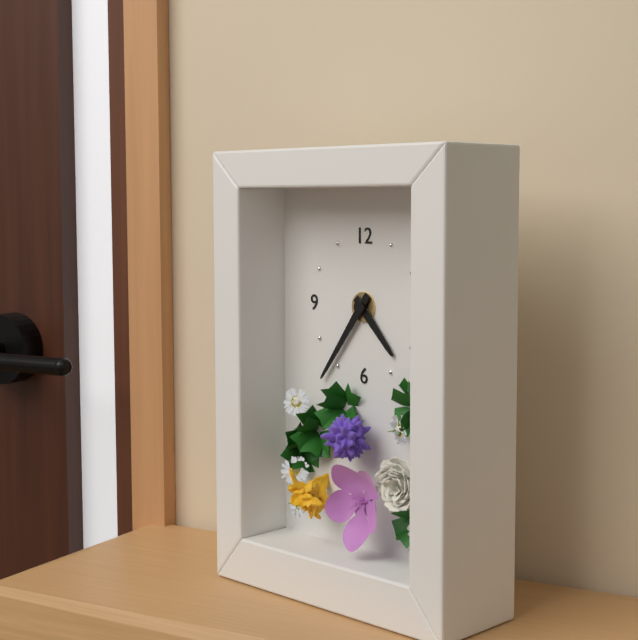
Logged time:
4h36
